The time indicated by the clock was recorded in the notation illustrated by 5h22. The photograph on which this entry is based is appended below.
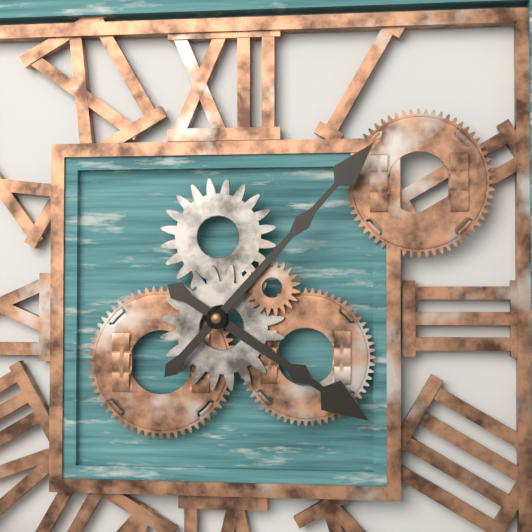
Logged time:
4h07
